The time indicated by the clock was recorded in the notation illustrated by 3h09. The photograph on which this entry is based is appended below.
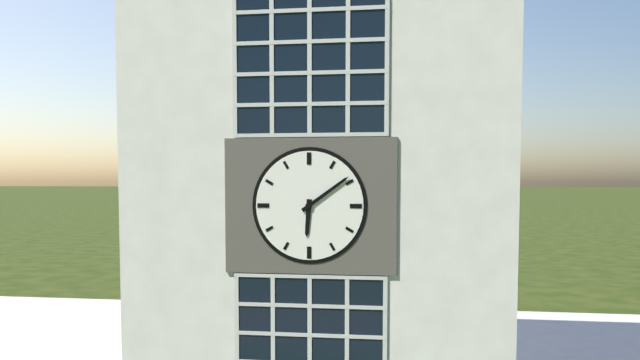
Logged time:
6h09
